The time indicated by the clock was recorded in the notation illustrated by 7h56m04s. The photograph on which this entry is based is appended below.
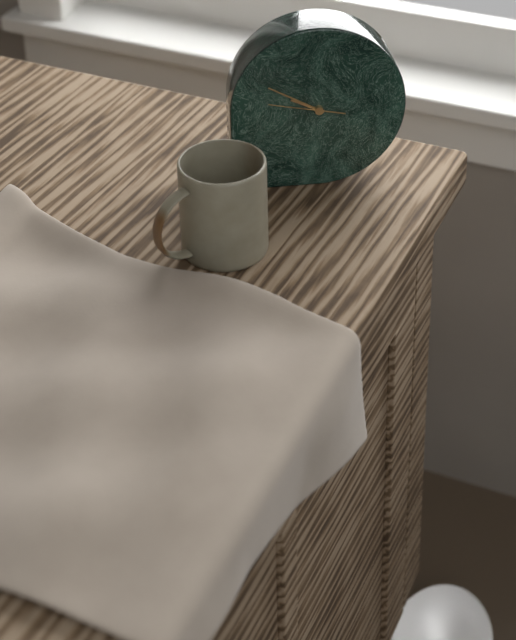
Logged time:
9h50m47s
